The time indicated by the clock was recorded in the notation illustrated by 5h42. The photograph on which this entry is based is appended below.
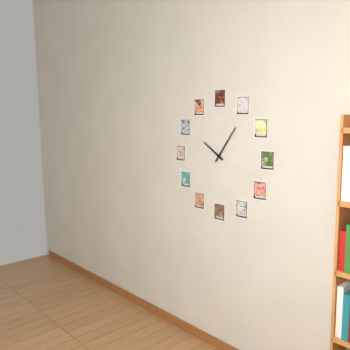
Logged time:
10h06
